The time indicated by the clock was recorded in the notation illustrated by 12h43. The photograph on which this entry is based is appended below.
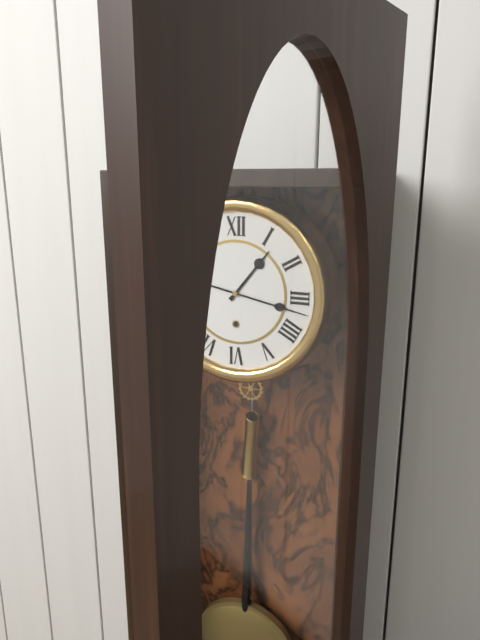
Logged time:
1h17
